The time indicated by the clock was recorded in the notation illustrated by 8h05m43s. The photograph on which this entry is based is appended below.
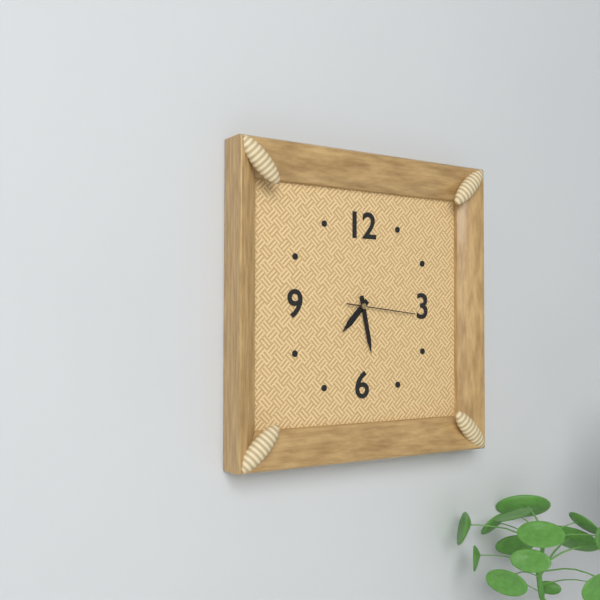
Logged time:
7h28m16s
